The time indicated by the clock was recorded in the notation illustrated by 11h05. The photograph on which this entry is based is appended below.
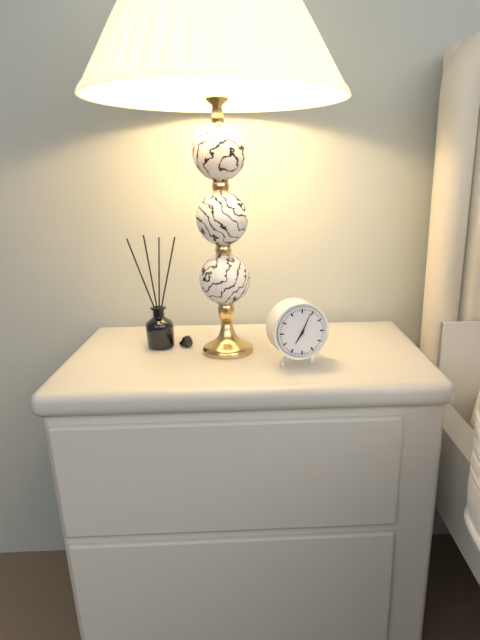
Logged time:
7h04
